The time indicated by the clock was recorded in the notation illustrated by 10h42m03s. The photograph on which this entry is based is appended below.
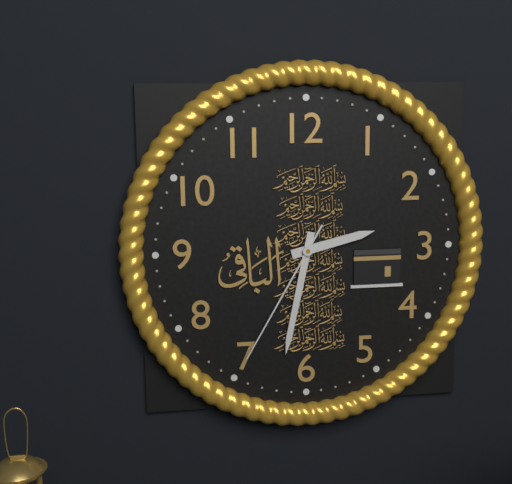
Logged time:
2h32m35s
